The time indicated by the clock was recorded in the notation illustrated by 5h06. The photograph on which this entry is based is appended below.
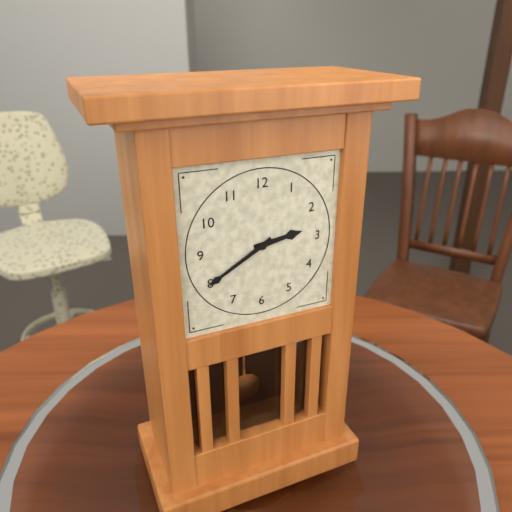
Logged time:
2h40
